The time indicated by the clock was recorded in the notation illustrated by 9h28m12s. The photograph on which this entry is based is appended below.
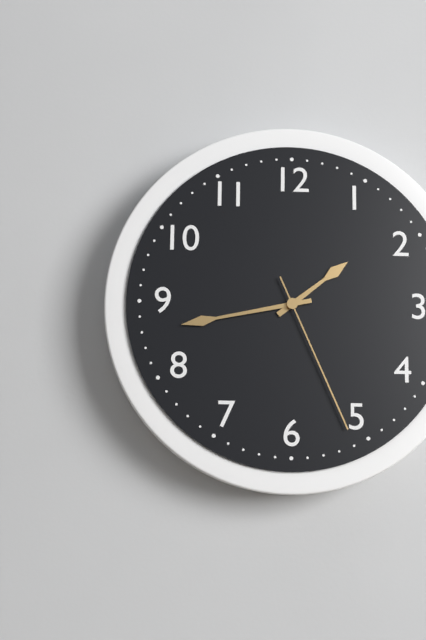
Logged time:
1h43m26s
